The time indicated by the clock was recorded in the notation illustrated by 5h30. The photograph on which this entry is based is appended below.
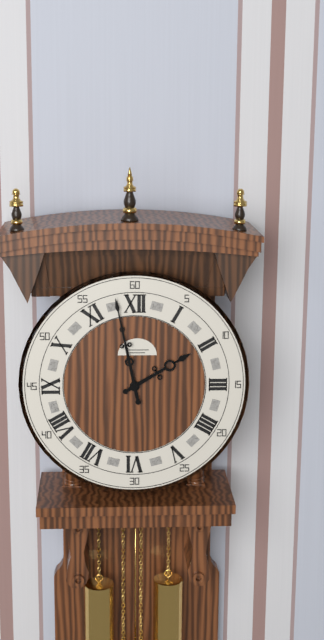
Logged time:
1h58
